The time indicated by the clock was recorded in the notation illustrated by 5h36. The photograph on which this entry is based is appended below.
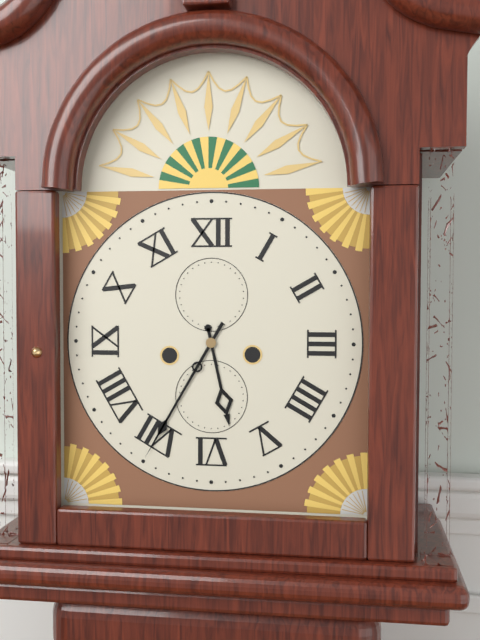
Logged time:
5h35
